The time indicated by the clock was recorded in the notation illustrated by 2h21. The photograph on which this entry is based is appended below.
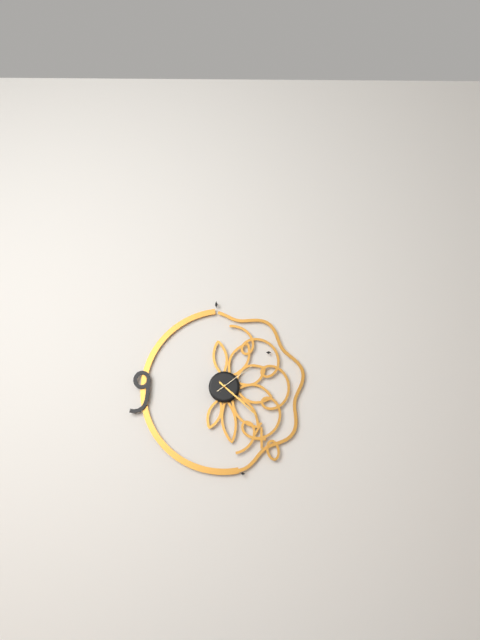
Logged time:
4h22
